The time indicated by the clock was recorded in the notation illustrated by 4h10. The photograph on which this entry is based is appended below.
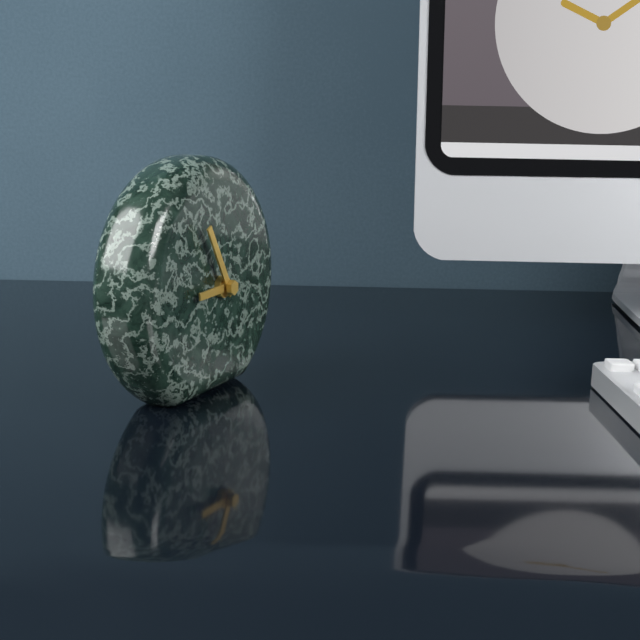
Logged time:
8h55
